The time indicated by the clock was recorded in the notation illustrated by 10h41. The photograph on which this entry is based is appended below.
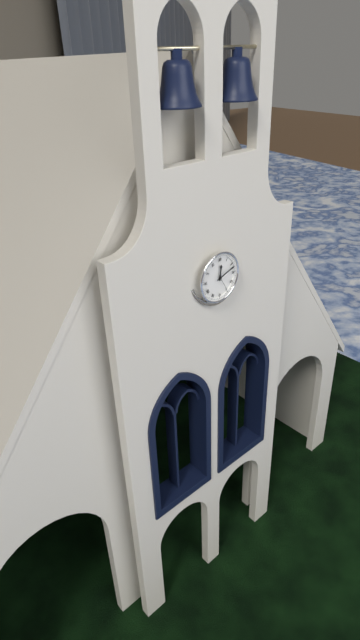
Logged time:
12h12
